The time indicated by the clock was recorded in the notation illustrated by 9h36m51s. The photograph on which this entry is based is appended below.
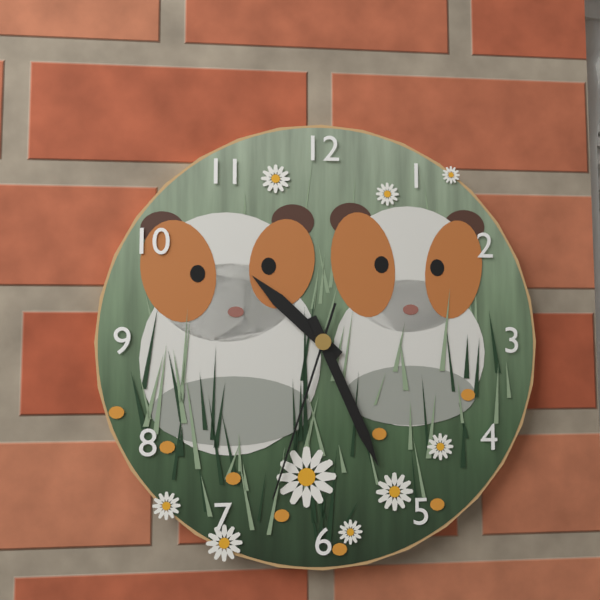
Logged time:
10h26m33s
